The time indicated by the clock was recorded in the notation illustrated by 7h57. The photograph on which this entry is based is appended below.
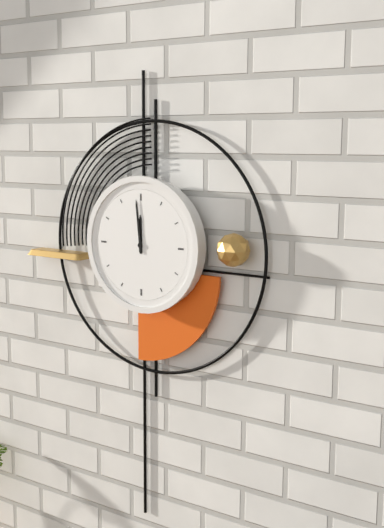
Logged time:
11h59
